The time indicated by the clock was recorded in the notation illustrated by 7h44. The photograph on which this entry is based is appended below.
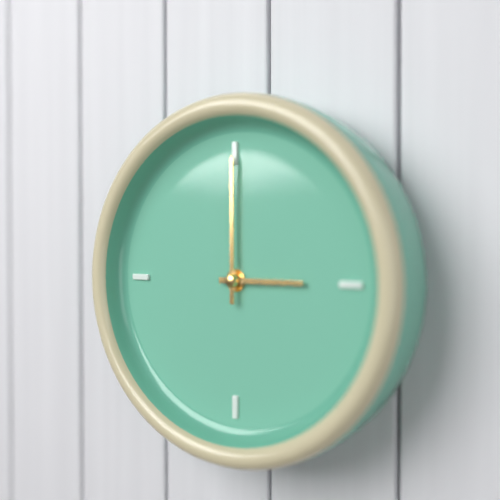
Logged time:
3h00
